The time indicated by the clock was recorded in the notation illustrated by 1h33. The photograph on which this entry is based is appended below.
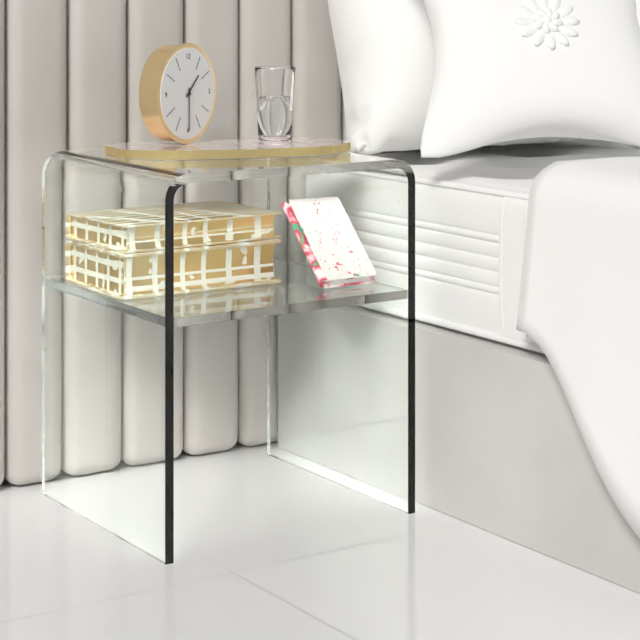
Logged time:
1h30
